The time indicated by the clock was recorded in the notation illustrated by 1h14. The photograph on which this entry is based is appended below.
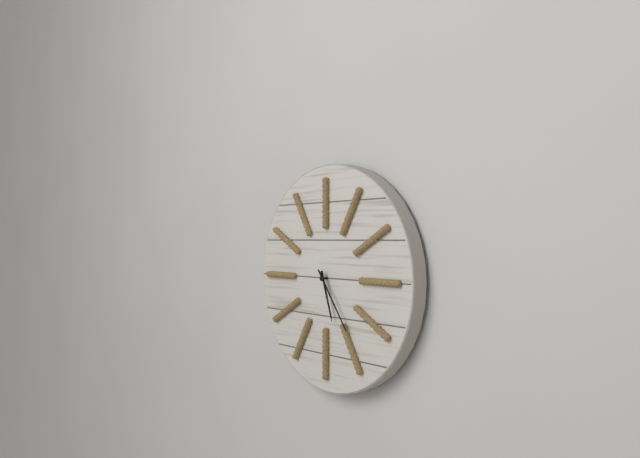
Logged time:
5h24
